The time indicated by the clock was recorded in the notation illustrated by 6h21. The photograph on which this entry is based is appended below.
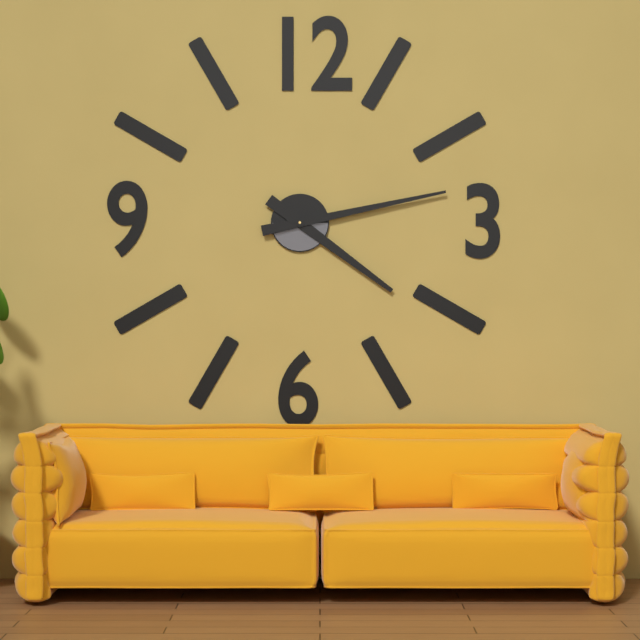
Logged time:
4h13
